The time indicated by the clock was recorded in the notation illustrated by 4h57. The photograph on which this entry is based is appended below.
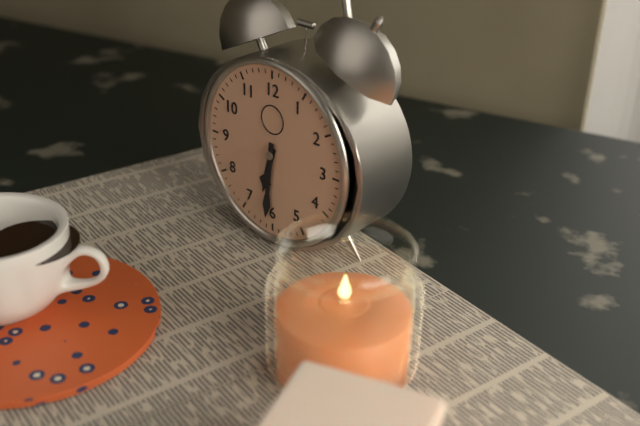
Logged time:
6h31
